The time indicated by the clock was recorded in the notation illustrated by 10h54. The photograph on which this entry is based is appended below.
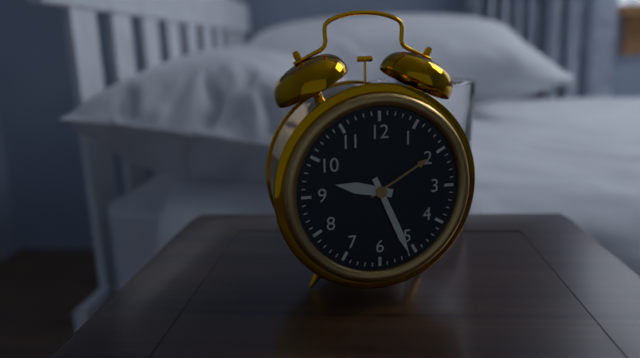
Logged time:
9h26
